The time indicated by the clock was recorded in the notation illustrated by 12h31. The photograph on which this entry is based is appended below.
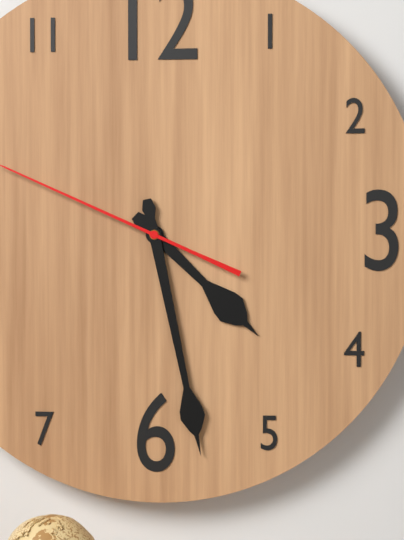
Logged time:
4h28
